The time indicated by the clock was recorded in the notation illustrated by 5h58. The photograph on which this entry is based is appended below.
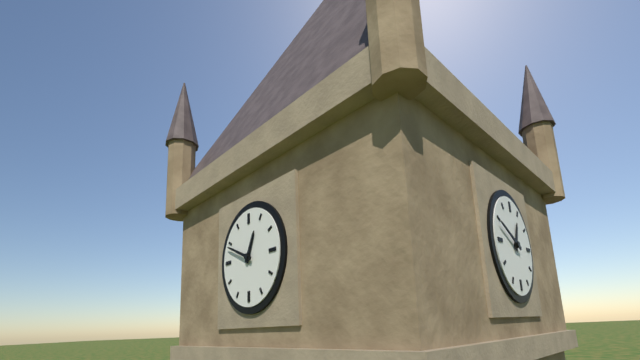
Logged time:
12h49
